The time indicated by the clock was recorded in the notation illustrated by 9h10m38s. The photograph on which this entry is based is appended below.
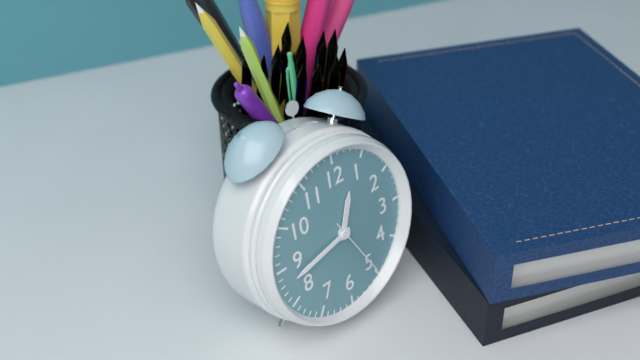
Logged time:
12h43m25s
